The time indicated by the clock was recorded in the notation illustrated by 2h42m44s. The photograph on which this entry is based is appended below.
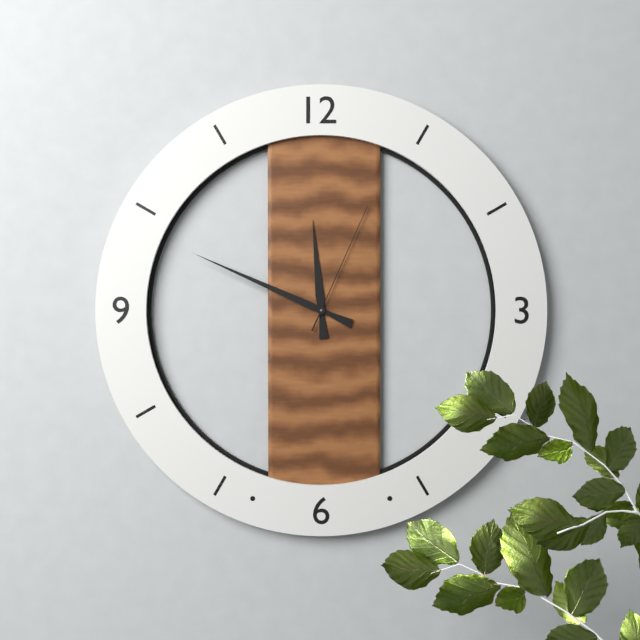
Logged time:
11h49m04s
